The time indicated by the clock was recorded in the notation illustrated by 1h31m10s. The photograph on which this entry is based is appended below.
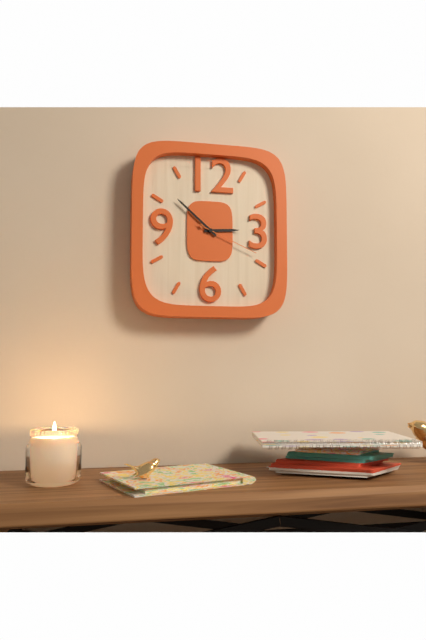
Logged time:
2h52m19s
